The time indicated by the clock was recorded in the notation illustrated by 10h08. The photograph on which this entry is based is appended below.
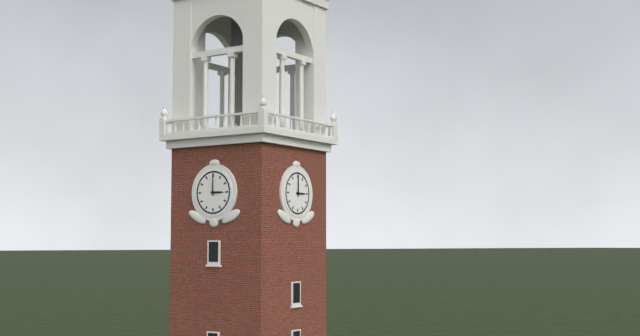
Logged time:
3h00
